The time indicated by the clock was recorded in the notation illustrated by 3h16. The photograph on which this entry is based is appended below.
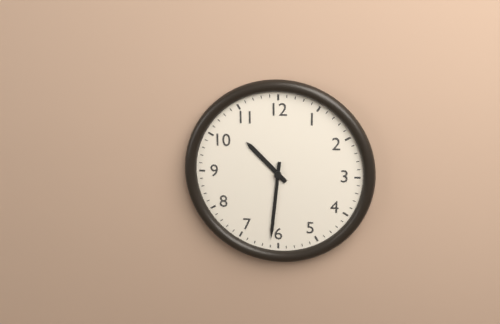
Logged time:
10h31
